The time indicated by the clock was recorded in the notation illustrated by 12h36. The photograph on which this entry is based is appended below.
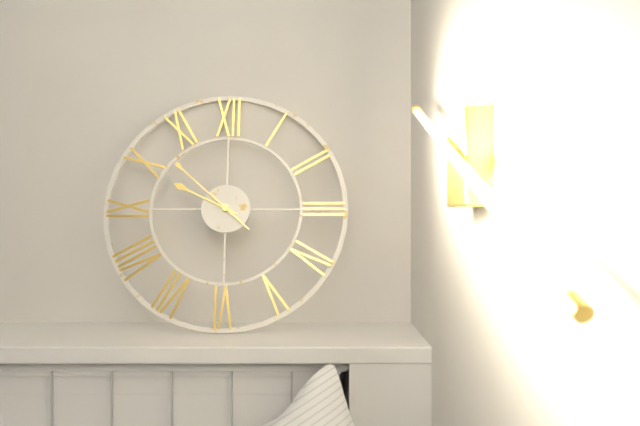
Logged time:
9h52
